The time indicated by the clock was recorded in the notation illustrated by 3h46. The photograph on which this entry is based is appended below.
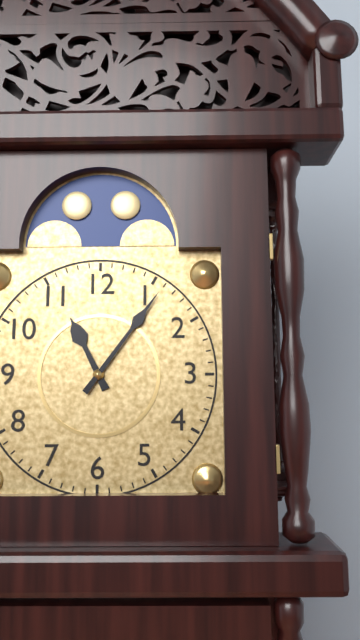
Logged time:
11h06
